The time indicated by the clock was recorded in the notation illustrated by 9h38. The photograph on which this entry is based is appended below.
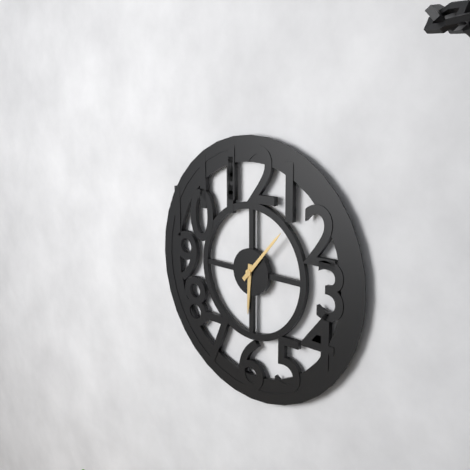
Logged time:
6h07
